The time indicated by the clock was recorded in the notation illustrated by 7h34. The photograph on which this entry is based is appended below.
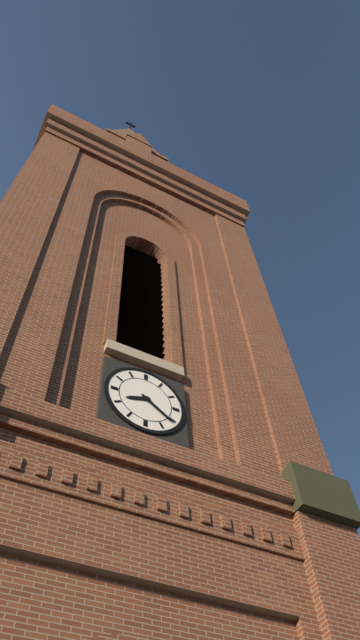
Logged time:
8h21
